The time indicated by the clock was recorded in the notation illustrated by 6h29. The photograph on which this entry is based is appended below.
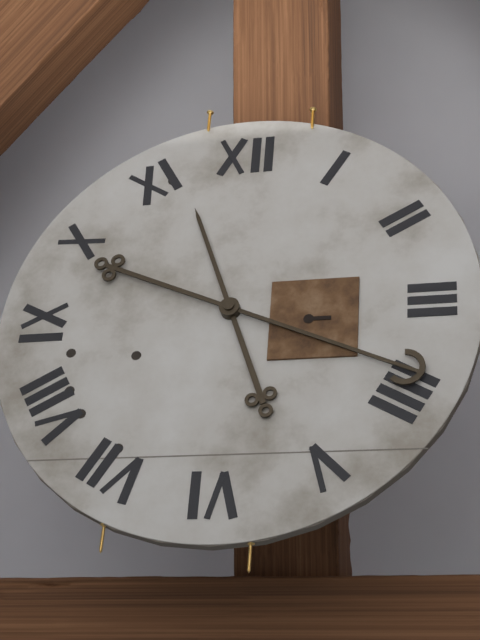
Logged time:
11h19
